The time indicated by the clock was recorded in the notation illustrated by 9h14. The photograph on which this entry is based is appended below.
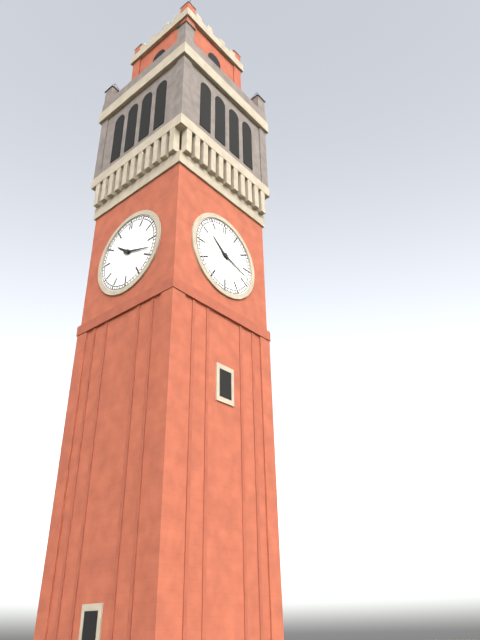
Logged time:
10h18
